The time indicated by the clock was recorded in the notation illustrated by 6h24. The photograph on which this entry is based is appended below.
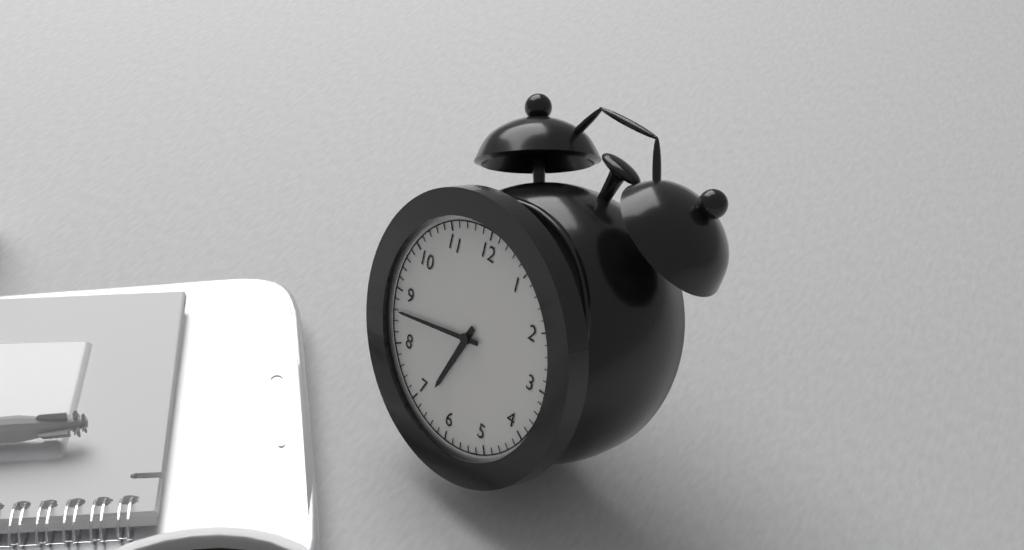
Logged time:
6h43
